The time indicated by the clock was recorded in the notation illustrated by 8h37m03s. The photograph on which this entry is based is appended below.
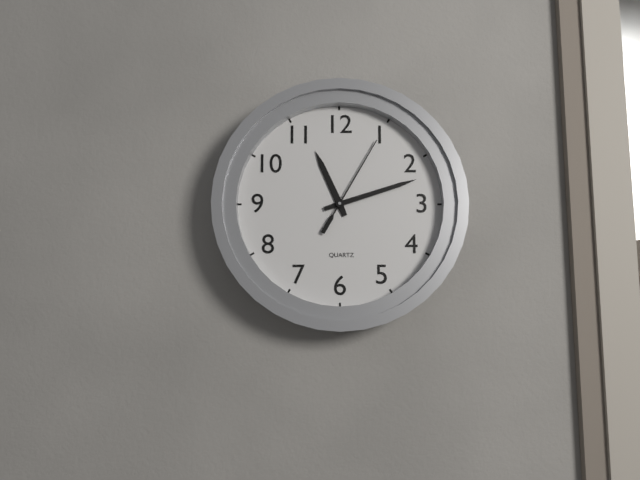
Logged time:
11h12m05s
